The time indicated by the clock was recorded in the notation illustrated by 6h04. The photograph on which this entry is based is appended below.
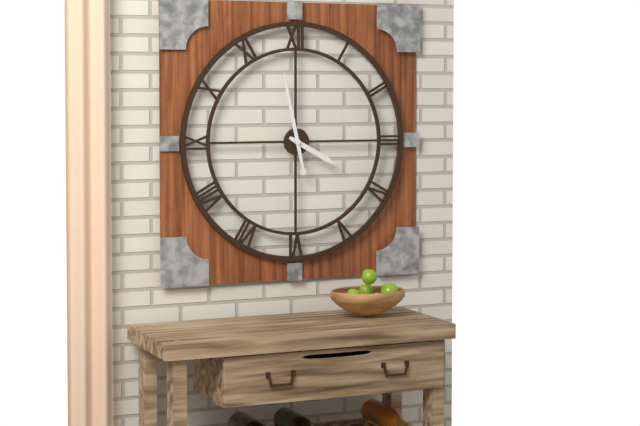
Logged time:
3h58
